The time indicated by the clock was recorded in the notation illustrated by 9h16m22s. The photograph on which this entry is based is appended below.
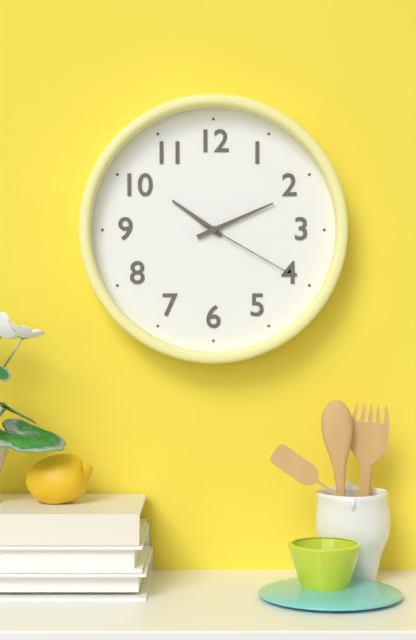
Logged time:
10h11m20s
